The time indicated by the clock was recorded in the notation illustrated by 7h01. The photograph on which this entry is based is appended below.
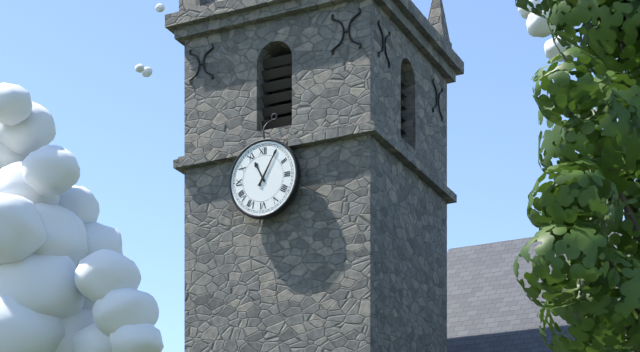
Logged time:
11h05
